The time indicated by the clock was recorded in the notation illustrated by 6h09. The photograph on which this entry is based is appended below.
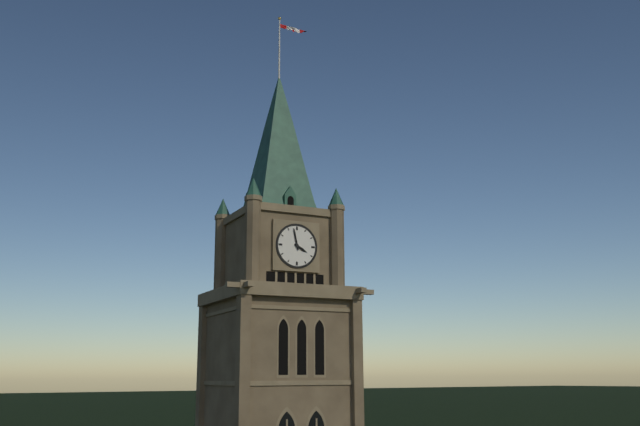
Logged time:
3h58
